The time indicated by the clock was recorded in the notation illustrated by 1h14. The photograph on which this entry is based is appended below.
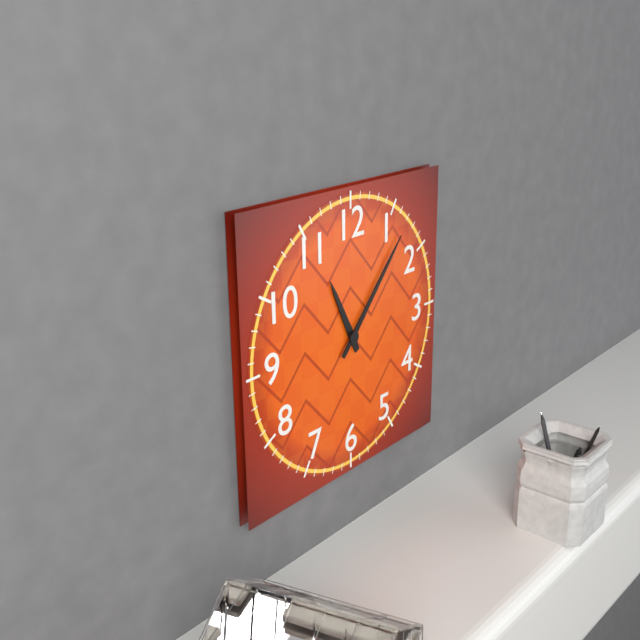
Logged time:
11h07
